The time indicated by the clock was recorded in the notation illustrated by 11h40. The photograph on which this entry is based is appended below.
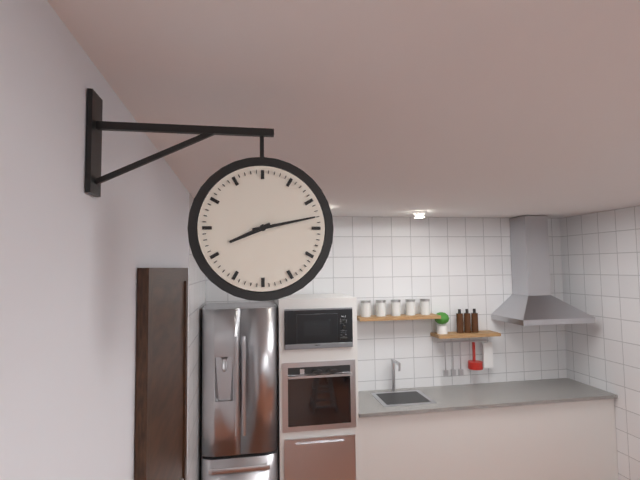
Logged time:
8h13
